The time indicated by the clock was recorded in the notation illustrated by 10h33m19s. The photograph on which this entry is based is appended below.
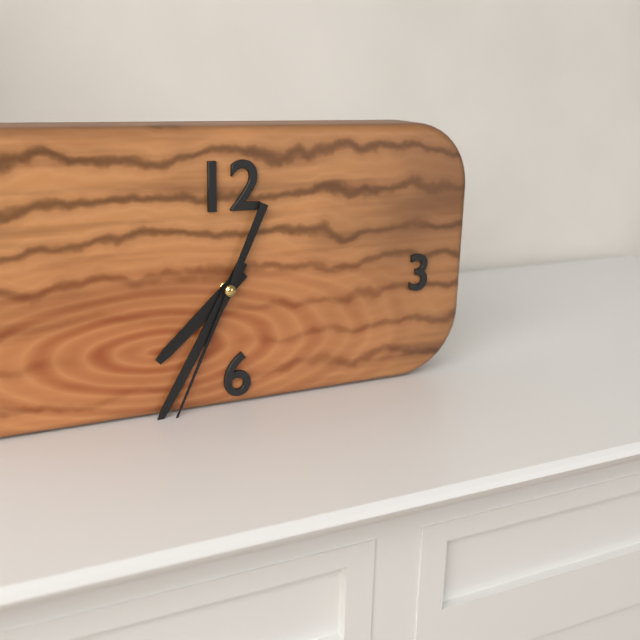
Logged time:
7h35m34s
